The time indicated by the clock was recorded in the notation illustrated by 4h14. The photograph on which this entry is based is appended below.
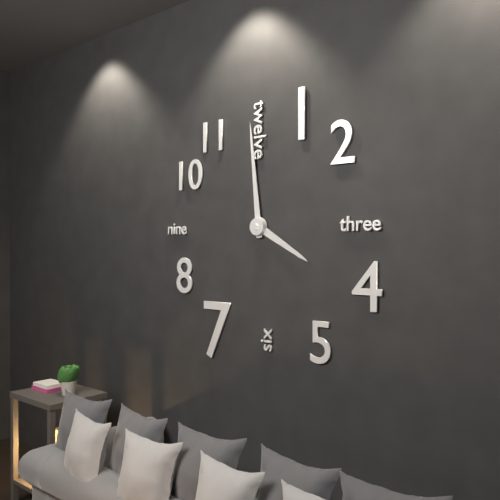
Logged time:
3h59
